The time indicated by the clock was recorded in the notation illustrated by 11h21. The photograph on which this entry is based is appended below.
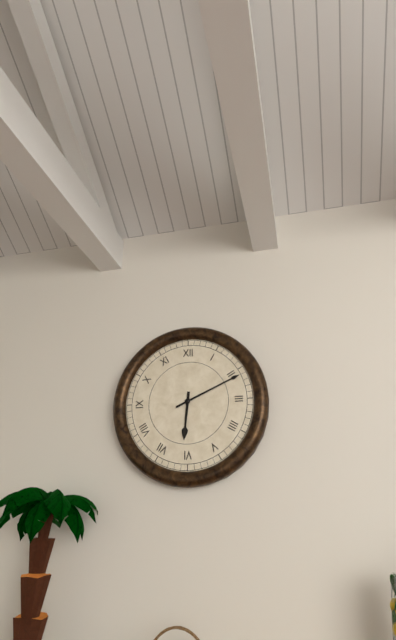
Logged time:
6h11
